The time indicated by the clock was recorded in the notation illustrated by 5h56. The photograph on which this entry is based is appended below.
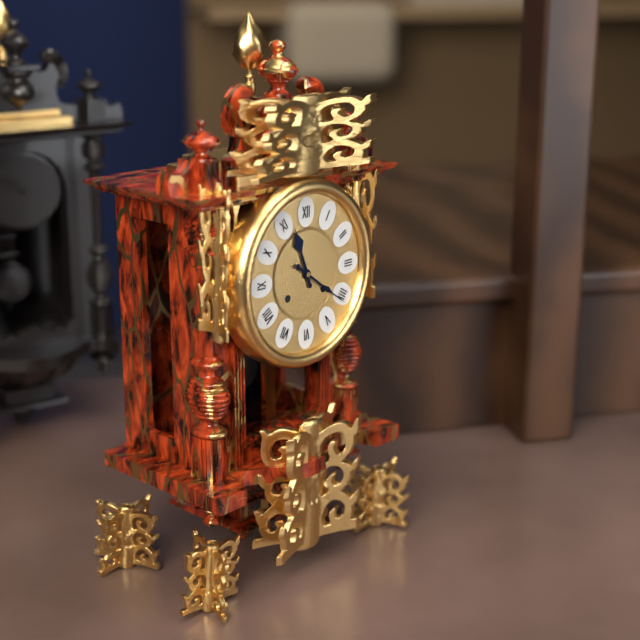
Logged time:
11h21
